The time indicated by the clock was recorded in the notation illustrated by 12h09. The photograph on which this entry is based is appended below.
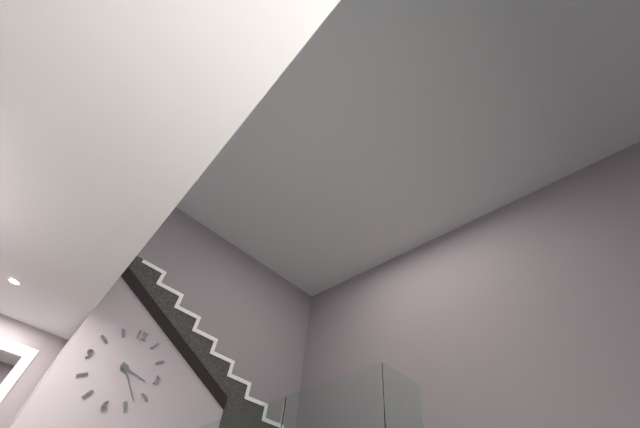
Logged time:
3h23
